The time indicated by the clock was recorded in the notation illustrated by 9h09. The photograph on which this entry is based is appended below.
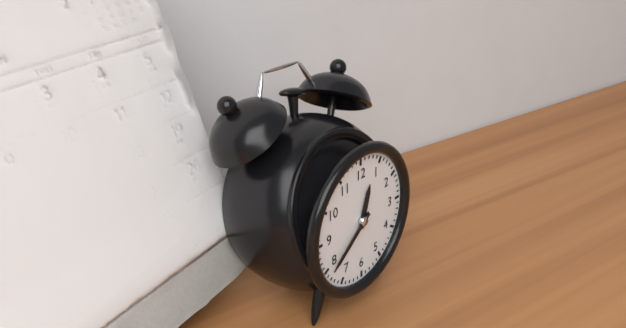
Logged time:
12h39
